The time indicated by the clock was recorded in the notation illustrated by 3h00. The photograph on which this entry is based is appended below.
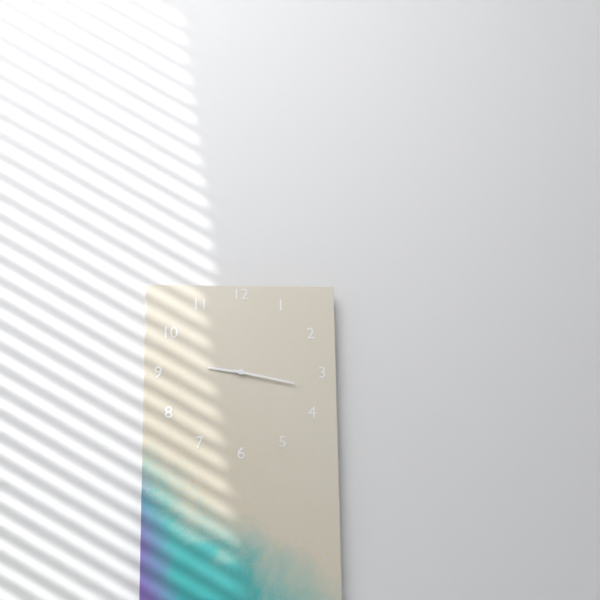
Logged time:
9h17
